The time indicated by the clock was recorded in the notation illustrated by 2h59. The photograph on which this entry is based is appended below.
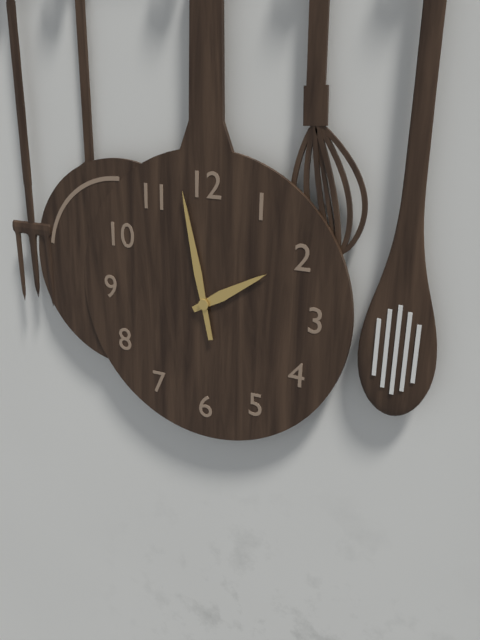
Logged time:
1h58
